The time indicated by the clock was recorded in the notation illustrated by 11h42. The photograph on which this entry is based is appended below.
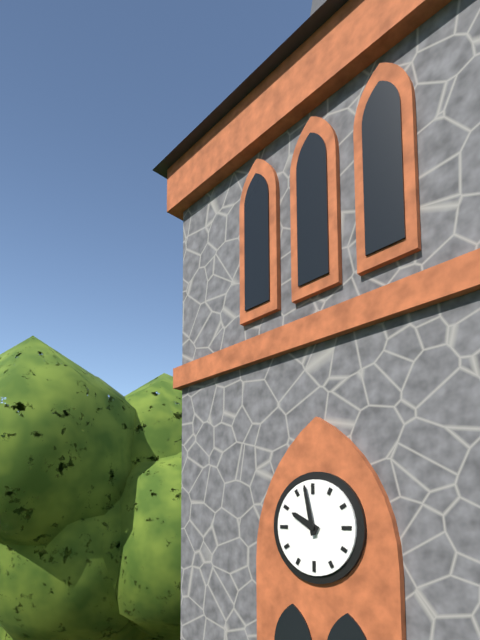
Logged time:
9h58
